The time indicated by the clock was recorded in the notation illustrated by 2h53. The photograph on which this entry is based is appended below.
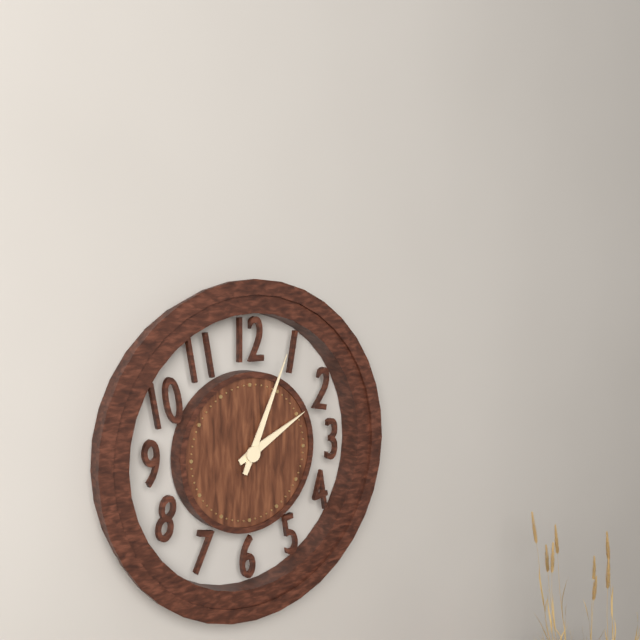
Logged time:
2h04
